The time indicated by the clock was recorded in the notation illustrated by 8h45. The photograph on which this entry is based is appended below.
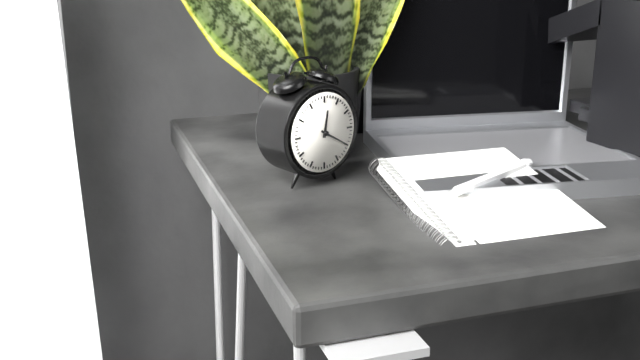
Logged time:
12h20
